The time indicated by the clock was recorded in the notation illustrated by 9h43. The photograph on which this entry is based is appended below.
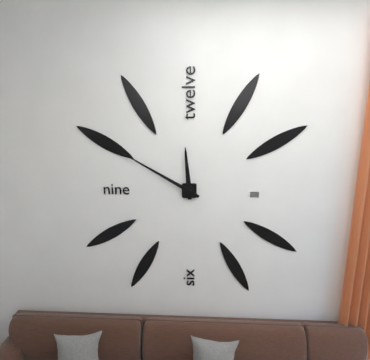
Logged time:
11h50
